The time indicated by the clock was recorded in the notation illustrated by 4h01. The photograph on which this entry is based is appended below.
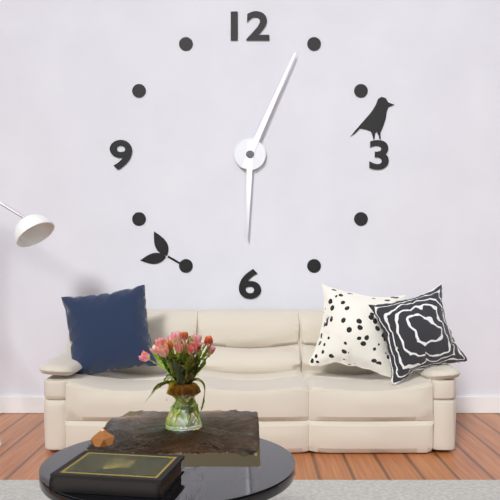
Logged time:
6h04
